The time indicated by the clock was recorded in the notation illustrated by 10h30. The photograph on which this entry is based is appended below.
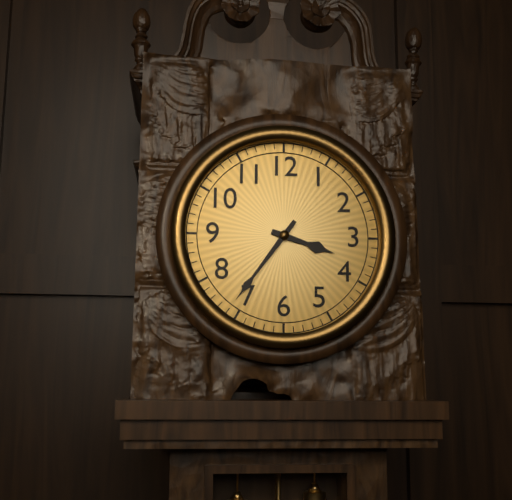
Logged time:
3h36
